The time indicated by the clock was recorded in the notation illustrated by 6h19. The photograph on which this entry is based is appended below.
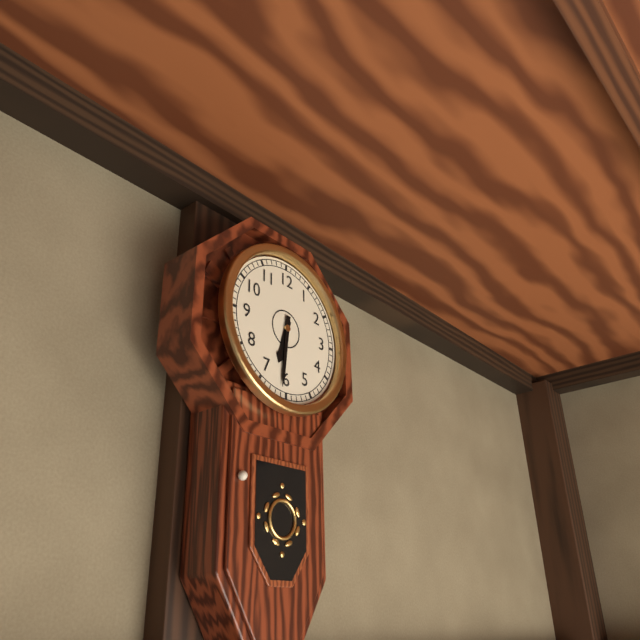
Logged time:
6h31
